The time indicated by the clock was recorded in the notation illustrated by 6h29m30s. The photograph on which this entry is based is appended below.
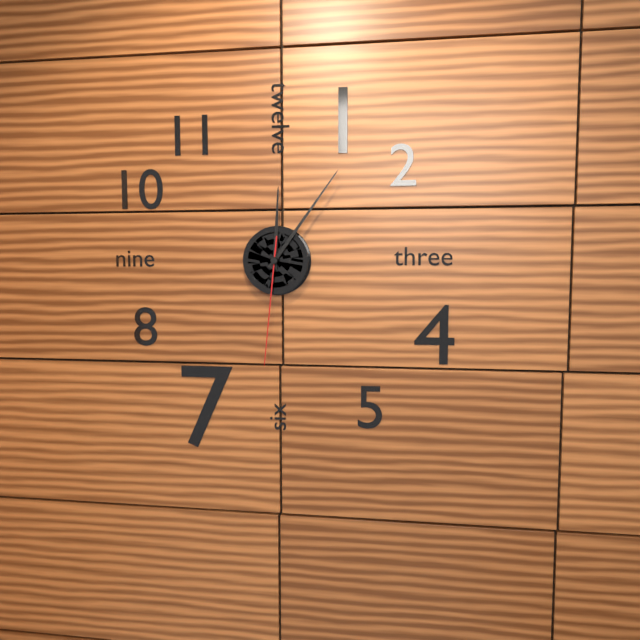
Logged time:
12h06m31s
